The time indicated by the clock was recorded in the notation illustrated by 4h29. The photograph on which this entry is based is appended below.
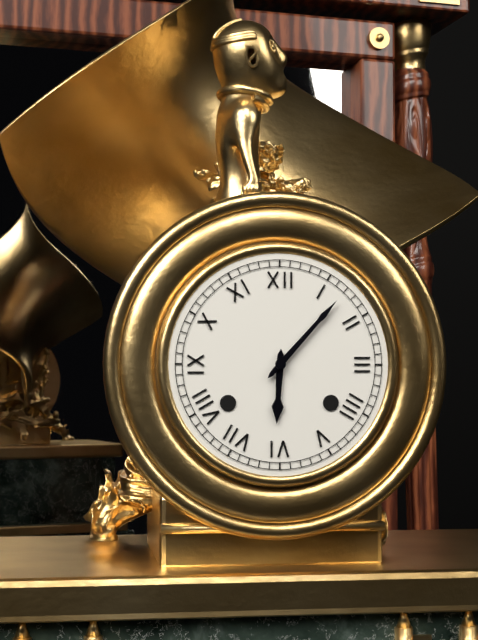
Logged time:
6h07
